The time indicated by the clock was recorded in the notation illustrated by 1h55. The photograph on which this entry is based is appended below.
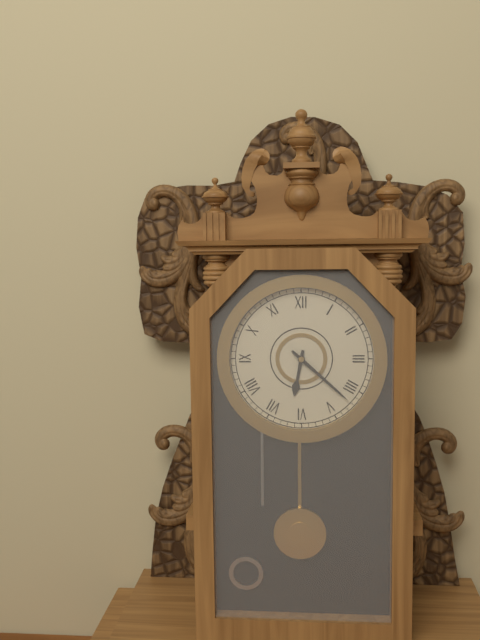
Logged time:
6h22
